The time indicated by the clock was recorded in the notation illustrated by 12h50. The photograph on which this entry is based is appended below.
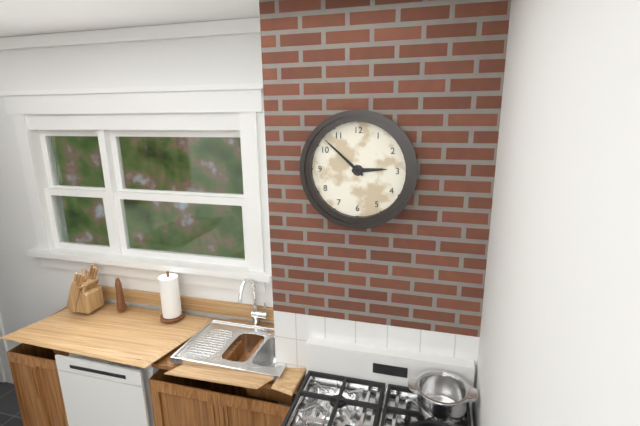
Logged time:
2h52
